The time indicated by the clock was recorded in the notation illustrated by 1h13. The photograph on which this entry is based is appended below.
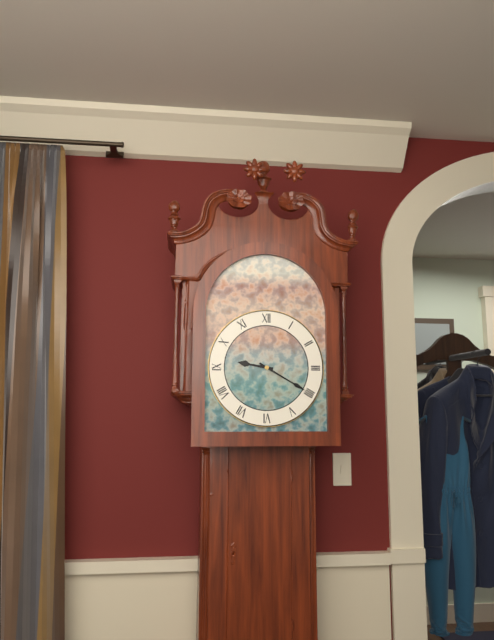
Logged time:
9h20
